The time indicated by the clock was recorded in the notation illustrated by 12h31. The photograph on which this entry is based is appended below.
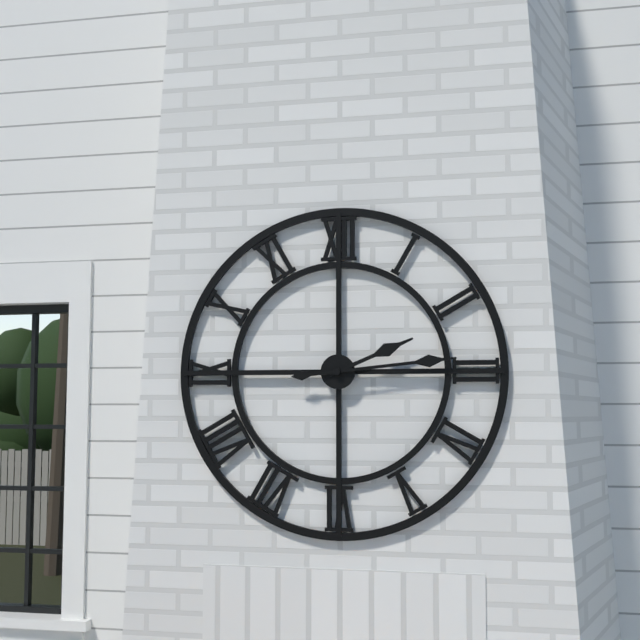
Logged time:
2h14
